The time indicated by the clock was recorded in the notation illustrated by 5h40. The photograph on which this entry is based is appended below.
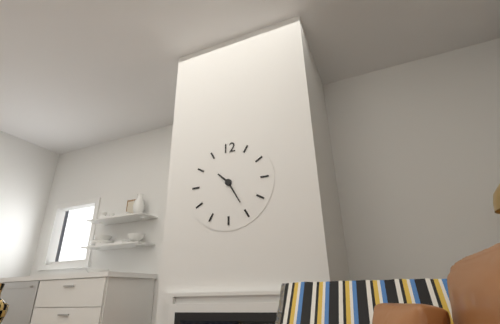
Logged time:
10h25
